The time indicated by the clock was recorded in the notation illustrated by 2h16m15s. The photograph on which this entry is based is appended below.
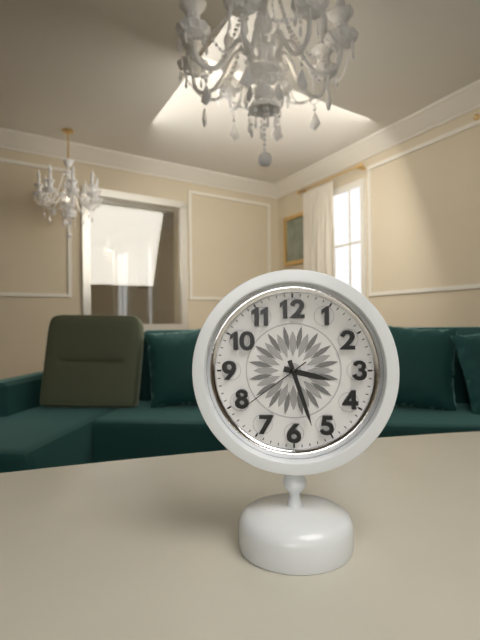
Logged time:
3h27m39s
